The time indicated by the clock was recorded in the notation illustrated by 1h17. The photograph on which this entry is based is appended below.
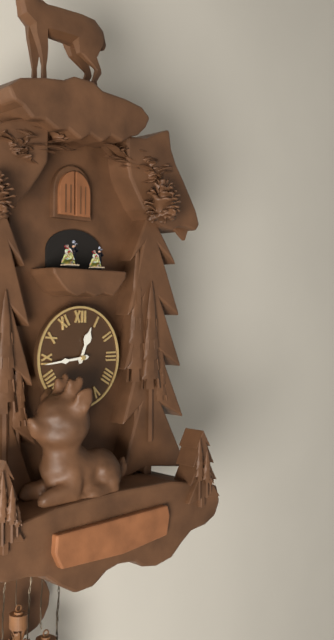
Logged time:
12h44
